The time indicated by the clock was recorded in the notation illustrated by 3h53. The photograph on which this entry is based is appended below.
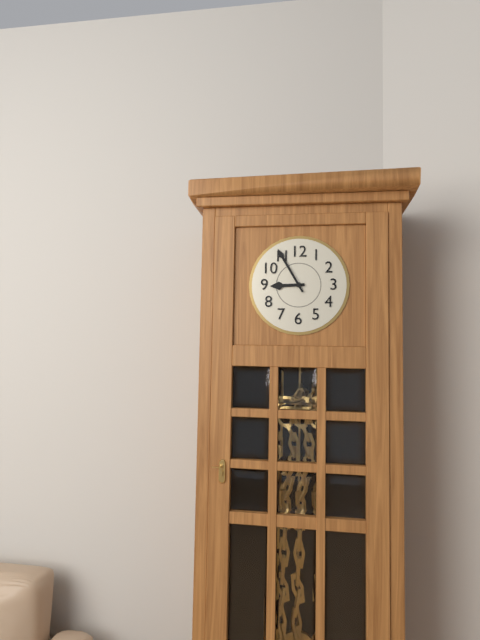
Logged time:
8h55
